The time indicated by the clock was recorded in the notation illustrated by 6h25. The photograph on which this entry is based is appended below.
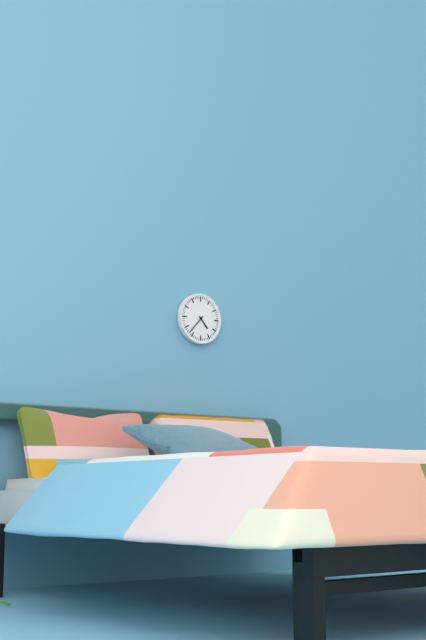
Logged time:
4h37
